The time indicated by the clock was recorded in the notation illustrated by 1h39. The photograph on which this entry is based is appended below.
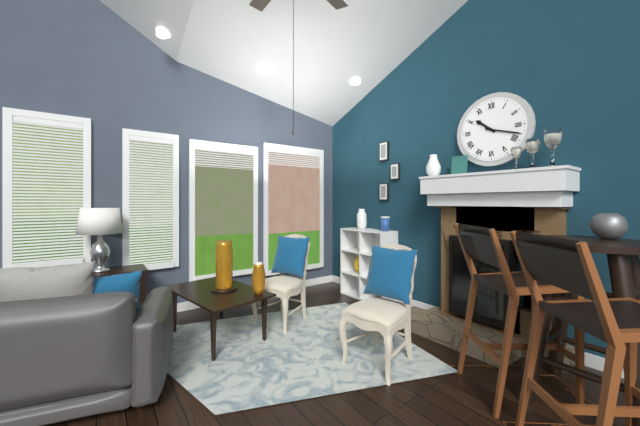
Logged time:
10h18
